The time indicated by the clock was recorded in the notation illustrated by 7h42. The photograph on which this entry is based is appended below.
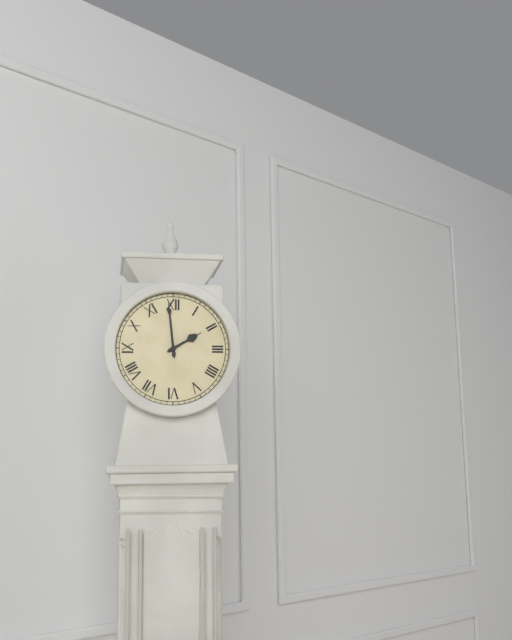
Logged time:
1h59
